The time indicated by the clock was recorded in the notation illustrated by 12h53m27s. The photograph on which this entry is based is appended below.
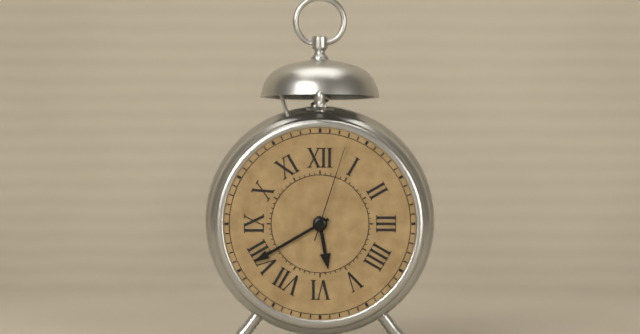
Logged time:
5h40m03s
